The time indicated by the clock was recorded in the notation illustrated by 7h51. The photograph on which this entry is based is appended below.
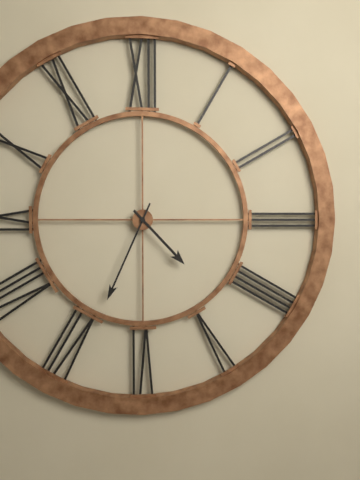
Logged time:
4h34
